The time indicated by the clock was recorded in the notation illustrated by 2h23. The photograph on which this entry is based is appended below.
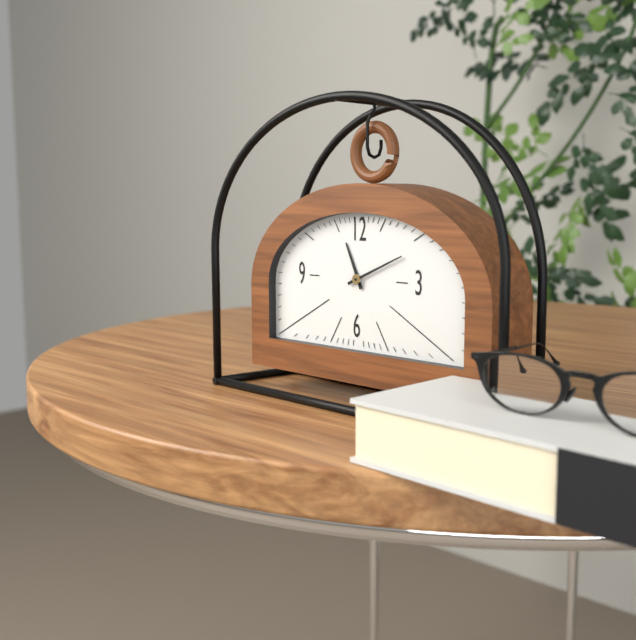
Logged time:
11h11
